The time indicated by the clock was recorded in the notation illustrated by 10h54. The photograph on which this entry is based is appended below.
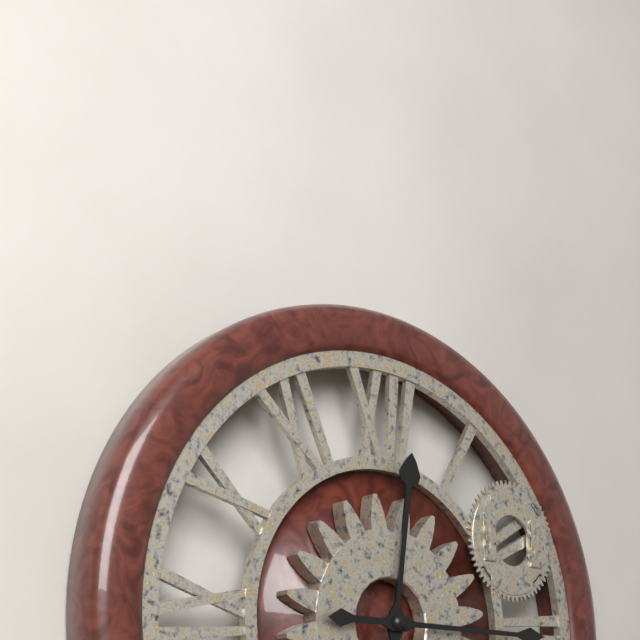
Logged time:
12h15
